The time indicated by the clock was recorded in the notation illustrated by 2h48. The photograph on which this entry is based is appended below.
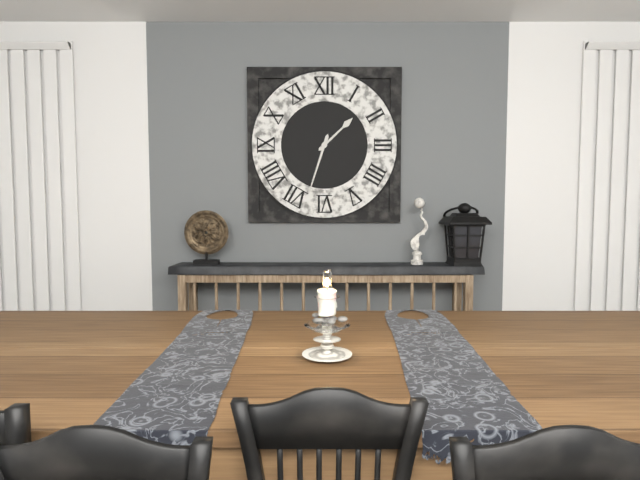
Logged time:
1h33
